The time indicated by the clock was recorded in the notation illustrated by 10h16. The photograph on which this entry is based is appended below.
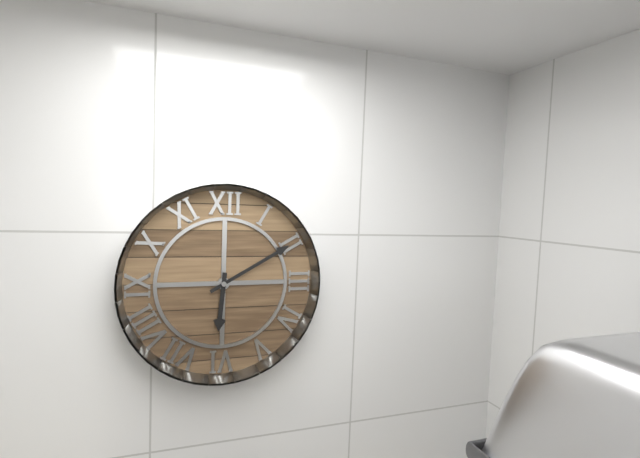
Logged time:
6h10
